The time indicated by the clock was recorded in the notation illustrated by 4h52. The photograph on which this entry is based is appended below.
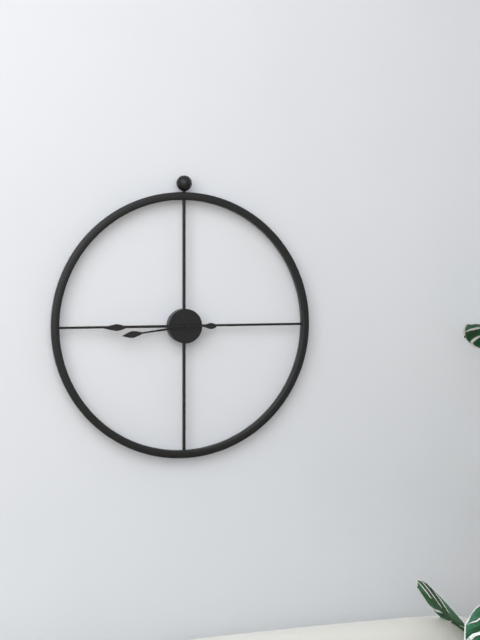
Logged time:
8h45
